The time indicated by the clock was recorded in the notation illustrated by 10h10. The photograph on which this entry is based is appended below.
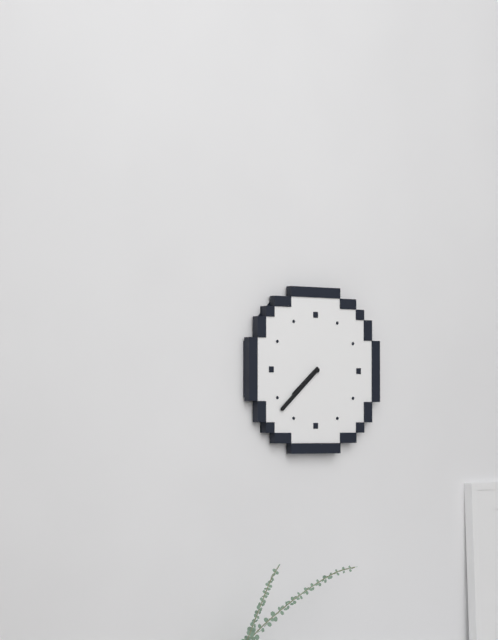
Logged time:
7h38
